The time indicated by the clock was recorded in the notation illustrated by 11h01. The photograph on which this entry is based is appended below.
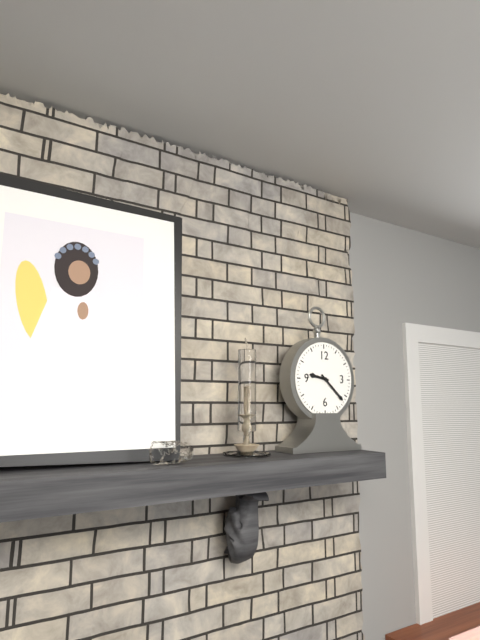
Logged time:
9h22
